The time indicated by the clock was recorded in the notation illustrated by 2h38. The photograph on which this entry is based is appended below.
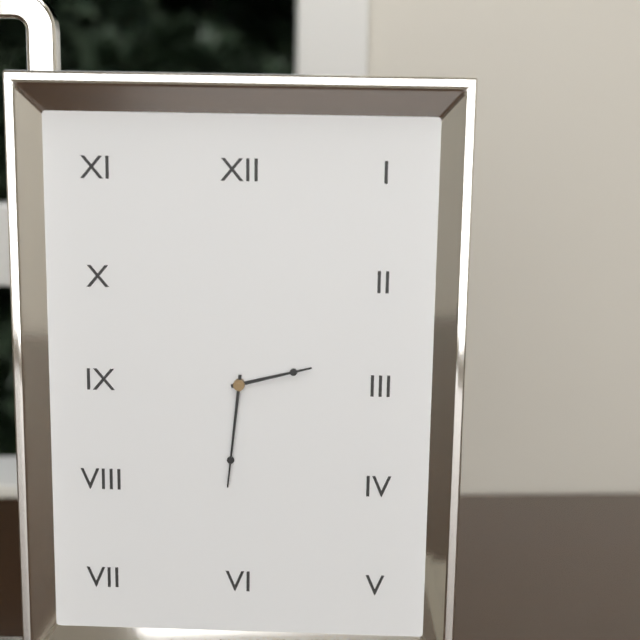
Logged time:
2h31
